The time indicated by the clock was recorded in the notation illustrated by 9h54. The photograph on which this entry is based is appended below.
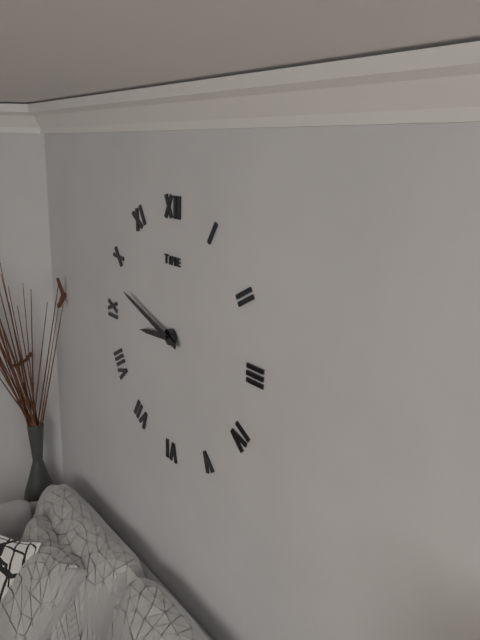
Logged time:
8h48
